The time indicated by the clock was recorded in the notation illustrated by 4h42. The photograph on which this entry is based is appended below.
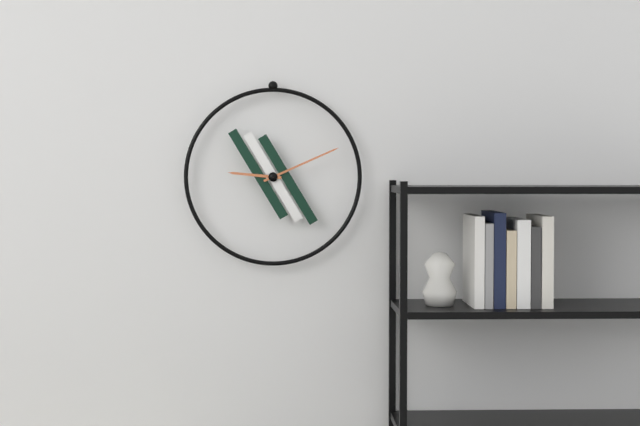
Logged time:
9h11
